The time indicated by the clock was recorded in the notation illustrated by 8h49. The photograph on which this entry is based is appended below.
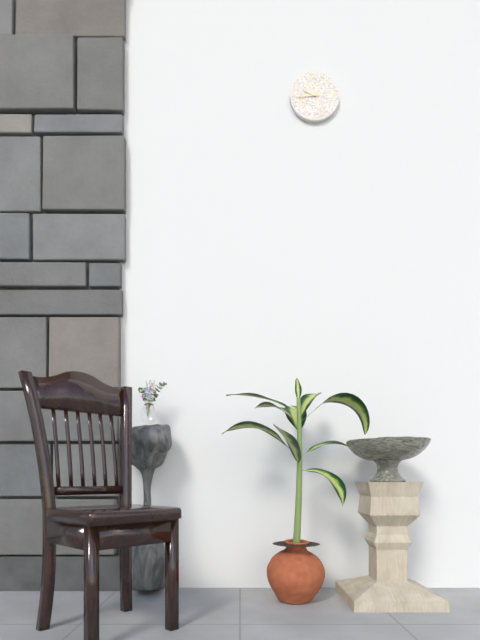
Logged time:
9h44
